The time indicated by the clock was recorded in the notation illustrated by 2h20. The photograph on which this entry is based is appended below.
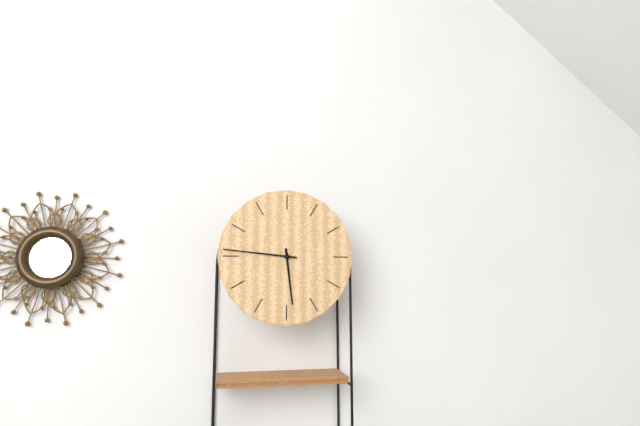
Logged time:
5h46
